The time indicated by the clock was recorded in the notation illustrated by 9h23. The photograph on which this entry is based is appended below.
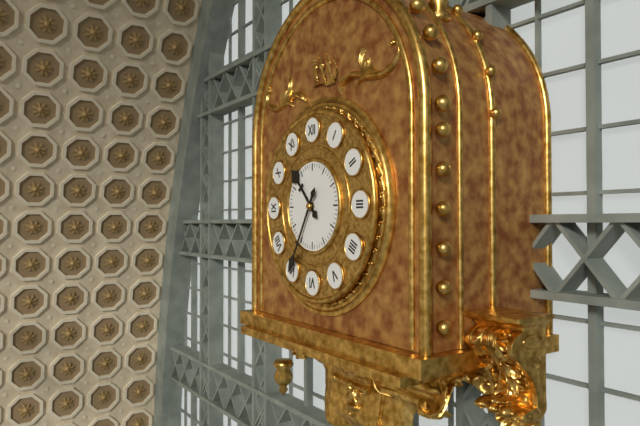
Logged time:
10h35
